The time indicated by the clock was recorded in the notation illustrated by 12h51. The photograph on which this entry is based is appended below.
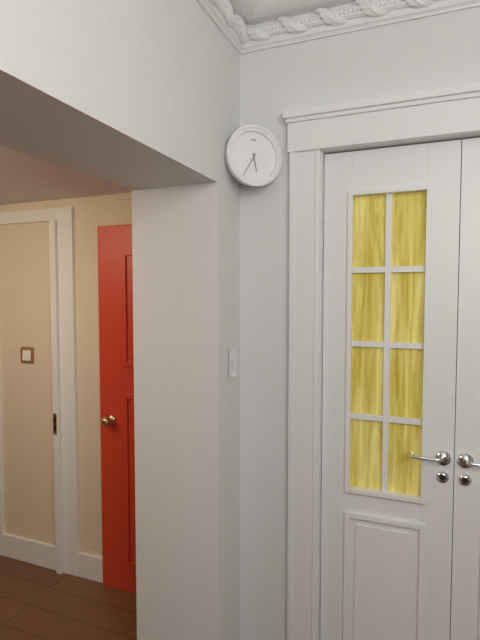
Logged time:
5h35
